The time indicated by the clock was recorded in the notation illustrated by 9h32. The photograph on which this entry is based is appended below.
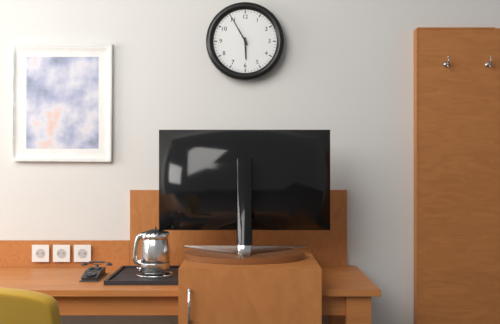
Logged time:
5h55
